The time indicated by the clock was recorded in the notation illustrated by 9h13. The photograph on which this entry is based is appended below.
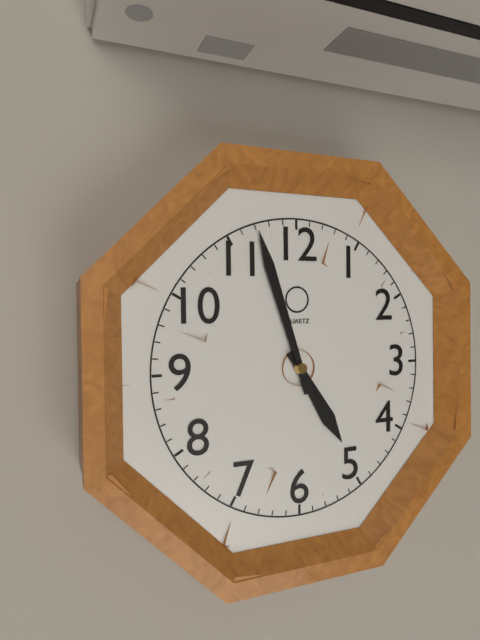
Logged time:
4h57
